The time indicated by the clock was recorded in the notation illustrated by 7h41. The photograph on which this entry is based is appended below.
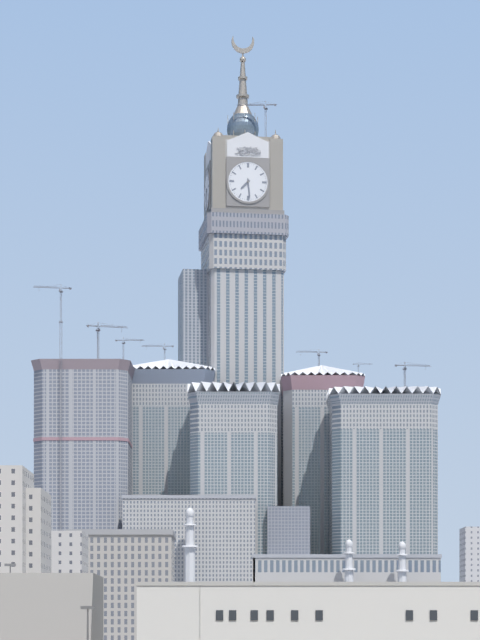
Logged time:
7h29
